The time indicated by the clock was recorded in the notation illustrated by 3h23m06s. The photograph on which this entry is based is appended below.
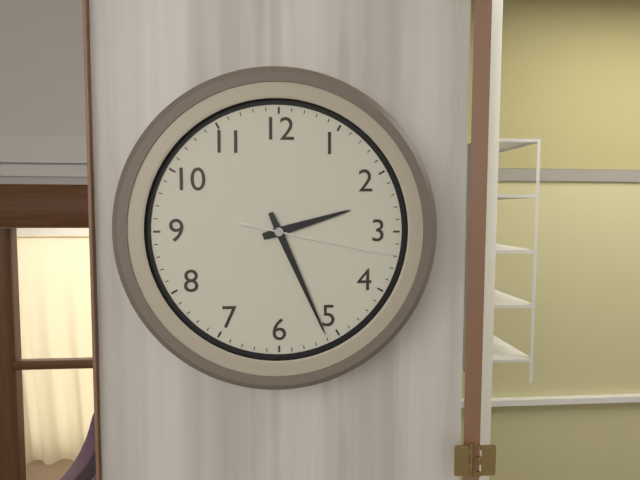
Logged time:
2h26m17s
